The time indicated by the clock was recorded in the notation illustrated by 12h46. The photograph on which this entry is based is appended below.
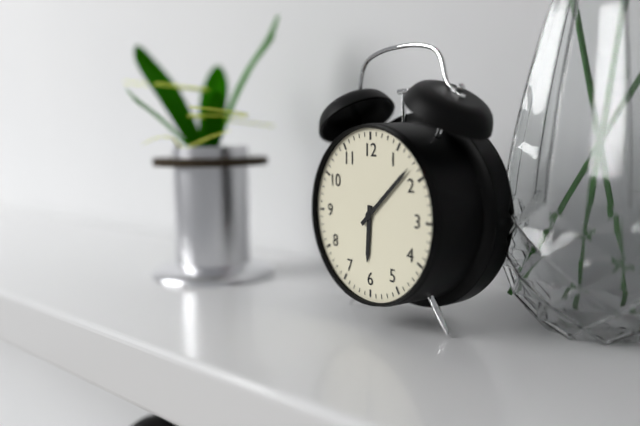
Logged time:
6h08
